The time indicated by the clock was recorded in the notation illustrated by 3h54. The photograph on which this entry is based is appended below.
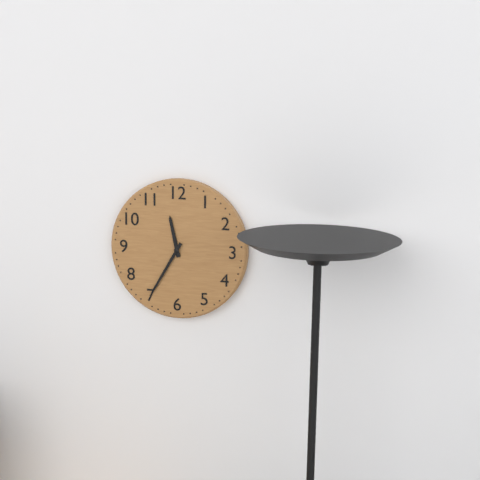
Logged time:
11h35
